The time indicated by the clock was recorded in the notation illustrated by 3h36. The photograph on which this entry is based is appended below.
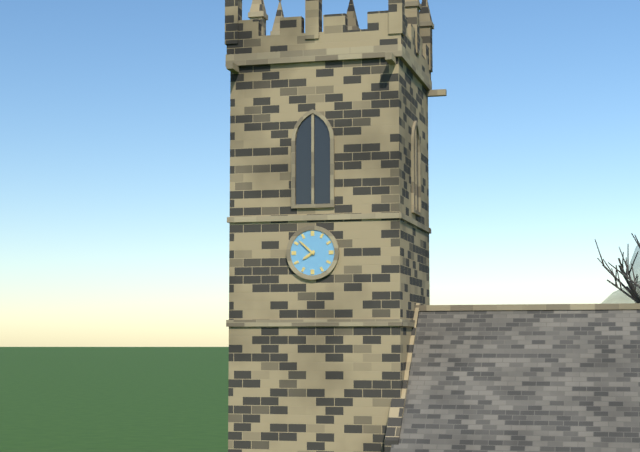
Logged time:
7h52
